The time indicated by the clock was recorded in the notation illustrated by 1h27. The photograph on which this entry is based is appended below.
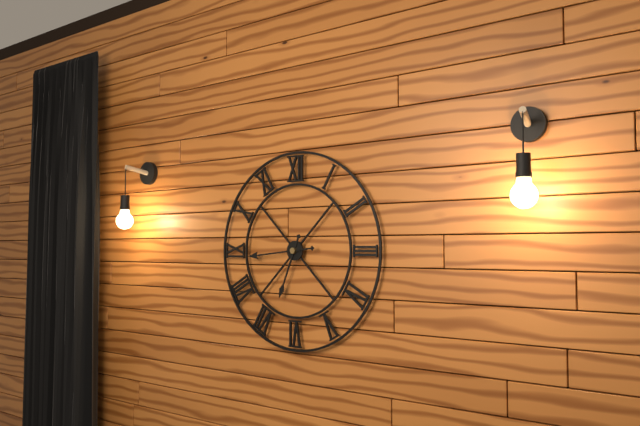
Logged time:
6h44
